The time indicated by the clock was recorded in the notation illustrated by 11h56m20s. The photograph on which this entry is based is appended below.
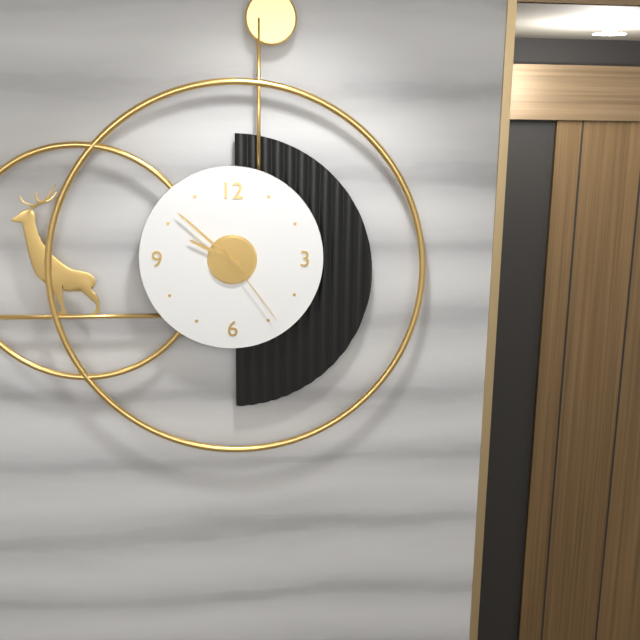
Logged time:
9h52m24s
